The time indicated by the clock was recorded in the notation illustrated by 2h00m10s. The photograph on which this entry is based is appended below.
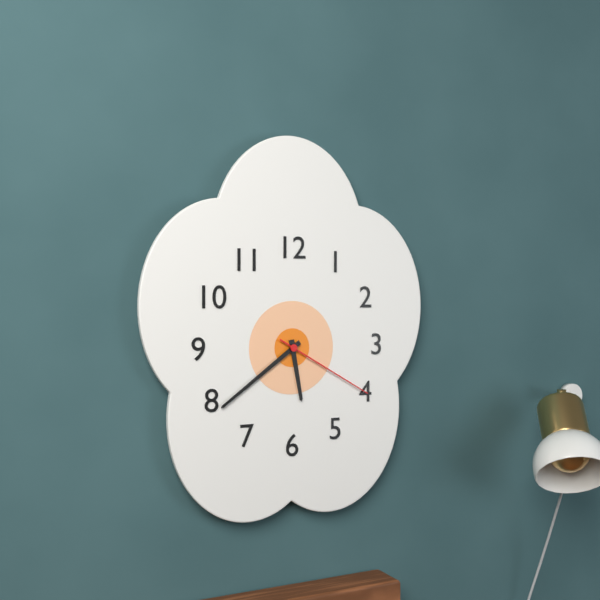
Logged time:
5h39m20s
